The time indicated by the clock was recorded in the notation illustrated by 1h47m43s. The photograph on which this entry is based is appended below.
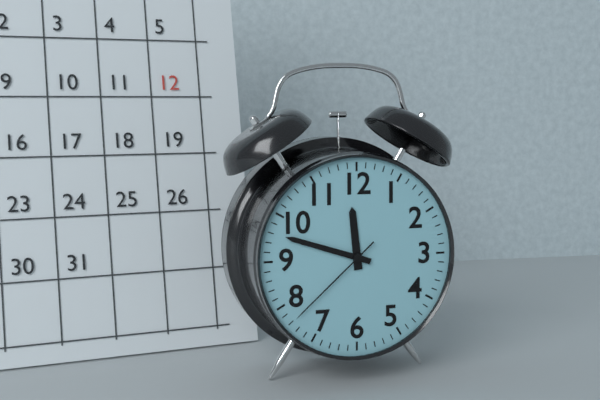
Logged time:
11h48m38s
